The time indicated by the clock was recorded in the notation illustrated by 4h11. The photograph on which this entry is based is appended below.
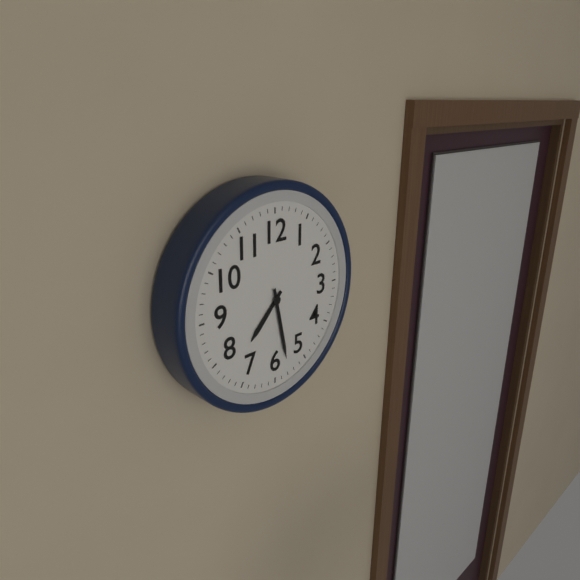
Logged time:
7h28
